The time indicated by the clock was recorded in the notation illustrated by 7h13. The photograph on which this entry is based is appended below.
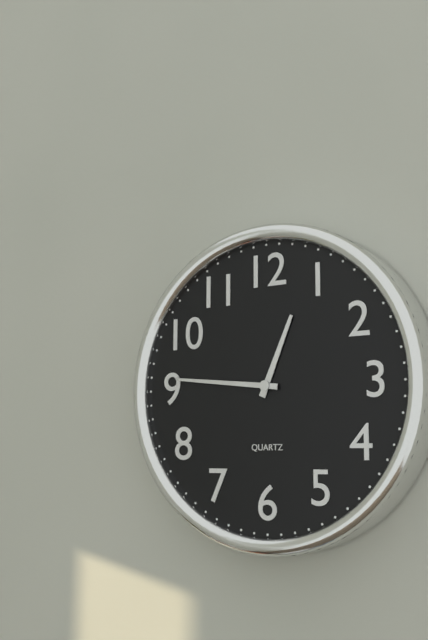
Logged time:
12h46
